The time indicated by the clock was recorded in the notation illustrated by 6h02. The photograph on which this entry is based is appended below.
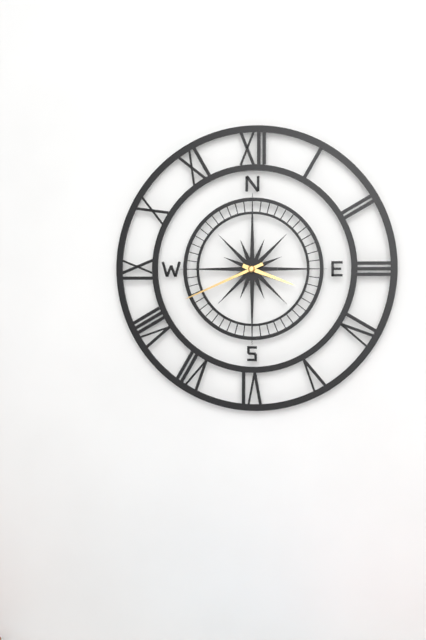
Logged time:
3h41
